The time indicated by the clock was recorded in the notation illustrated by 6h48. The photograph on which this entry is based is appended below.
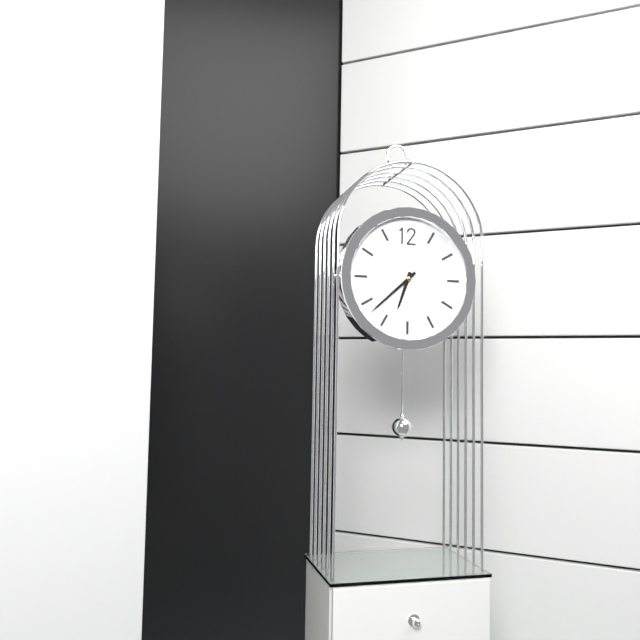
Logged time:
6h38
